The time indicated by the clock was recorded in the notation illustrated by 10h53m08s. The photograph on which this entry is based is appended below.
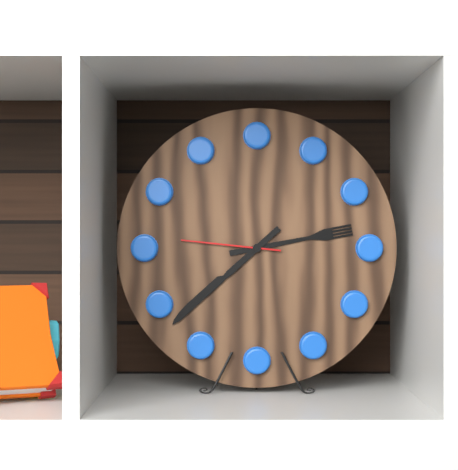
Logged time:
2h38m46s
